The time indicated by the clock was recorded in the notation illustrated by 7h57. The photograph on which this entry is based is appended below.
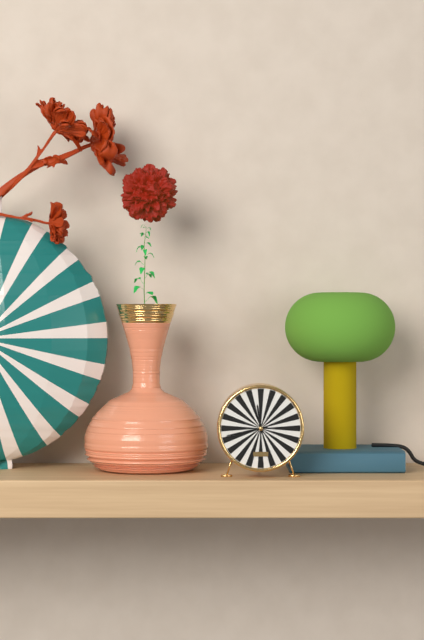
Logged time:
11h43
